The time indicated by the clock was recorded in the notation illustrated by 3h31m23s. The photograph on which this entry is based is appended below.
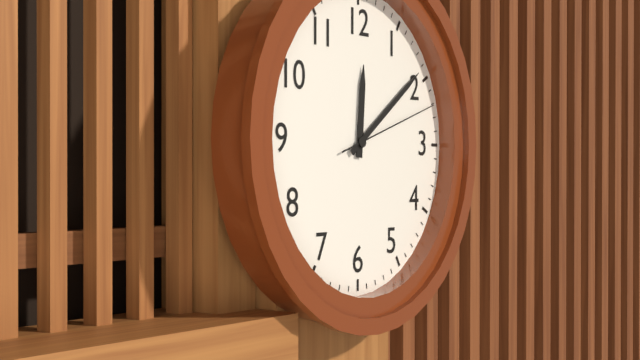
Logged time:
12h09m12s
